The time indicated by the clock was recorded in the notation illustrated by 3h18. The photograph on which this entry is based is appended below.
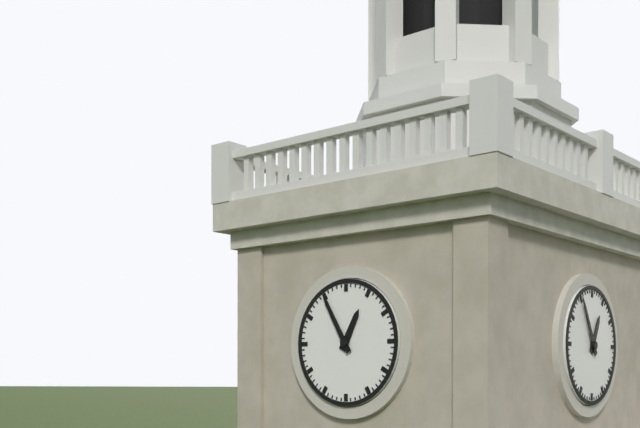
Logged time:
12h55
